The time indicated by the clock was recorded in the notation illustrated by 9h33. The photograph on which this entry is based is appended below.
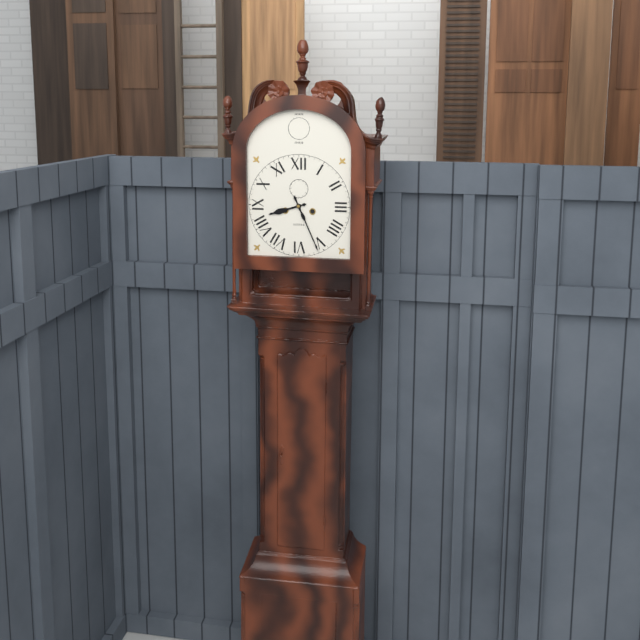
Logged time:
8h26
